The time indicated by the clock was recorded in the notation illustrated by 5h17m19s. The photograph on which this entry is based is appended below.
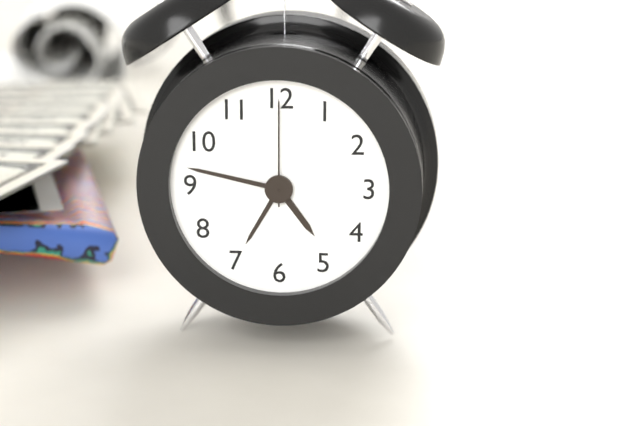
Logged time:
4h47m00s
